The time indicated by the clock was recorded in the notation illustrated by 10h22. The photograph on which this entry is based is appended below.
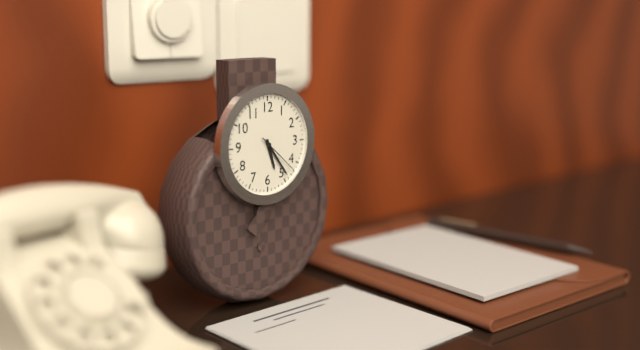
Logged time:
5h24
